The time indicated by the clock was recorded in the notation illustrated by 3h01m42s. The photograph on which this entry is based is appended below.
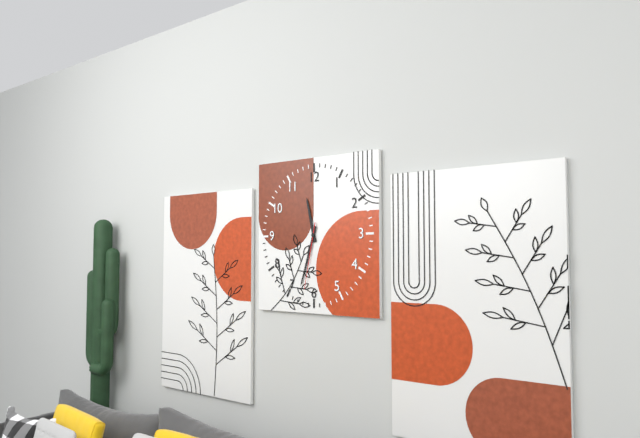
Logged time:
11h33m32s
